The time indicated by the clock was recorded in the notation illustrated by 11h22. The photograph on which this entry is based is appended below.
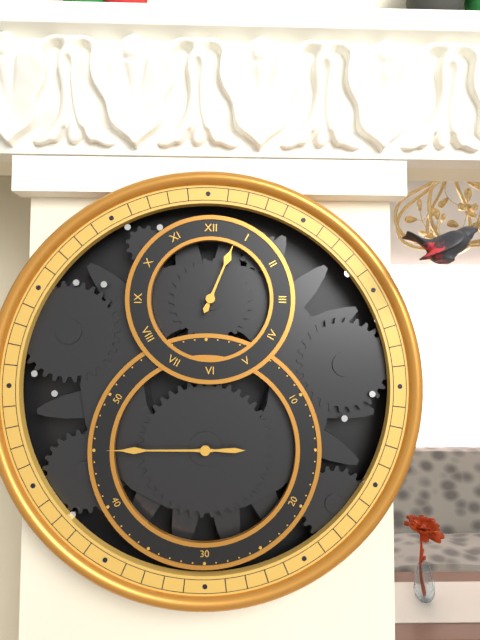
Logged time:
12h45
